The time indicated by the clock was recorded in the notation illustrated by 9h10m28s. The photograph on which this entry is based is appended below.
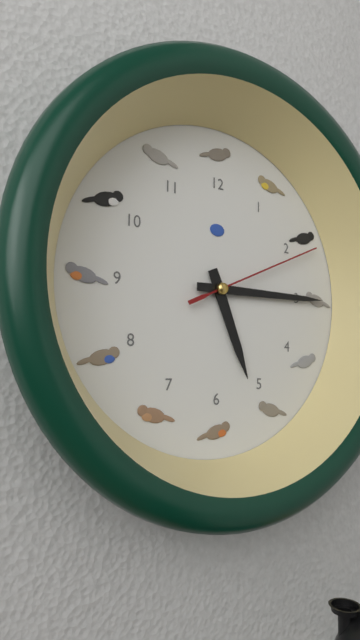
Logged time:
5h15m11s
